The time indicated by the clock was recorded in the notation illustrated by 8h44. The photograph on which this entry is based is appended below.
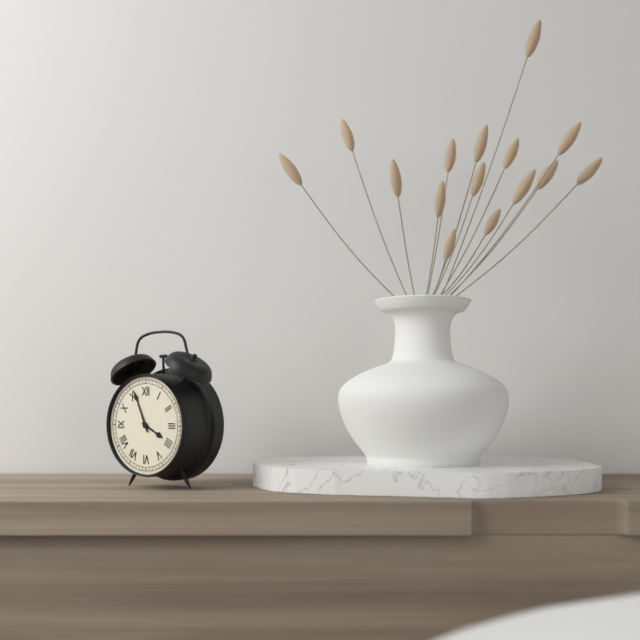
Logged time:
3h56
